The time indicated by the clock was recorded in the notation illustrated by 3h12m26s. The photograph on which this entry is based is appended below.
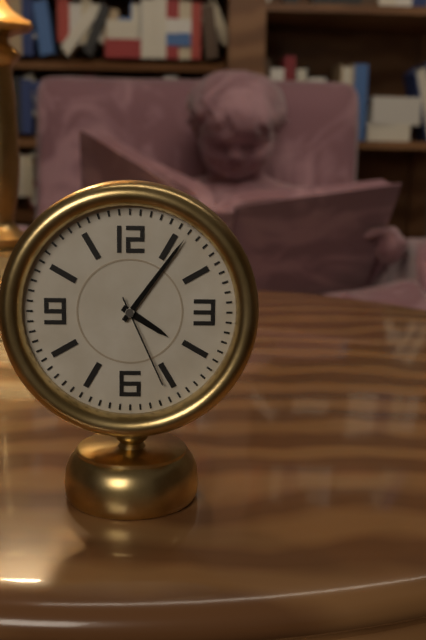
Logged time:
4h06m26s
